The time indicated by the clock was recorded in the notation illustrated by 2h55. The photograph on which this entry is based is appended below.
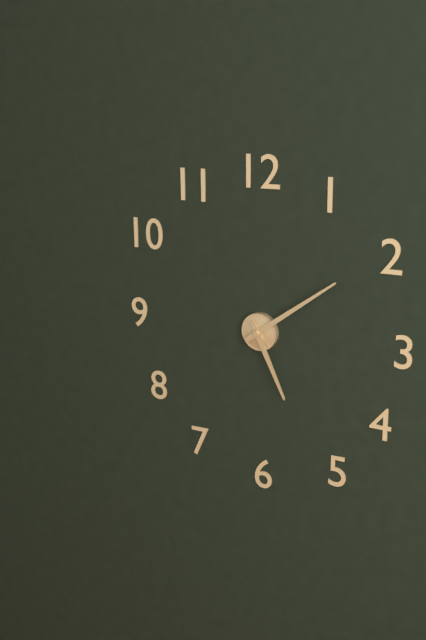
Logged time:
5h09
